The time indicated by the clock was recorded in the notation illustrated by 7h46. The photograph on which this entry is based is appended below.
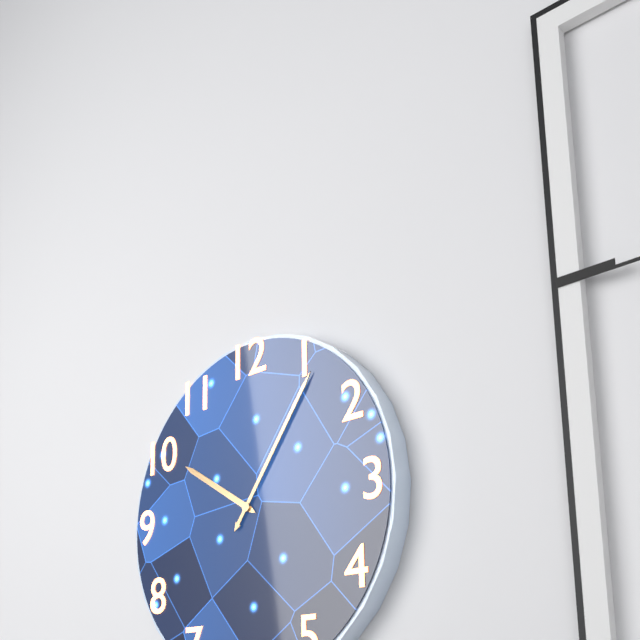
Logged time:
10h06
